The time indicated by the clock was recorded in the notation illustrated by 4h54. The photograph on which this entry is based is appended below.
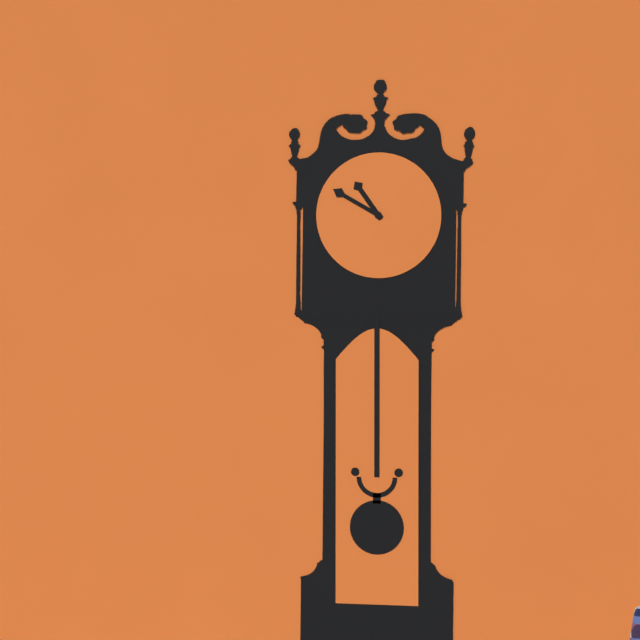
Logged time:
10h50
